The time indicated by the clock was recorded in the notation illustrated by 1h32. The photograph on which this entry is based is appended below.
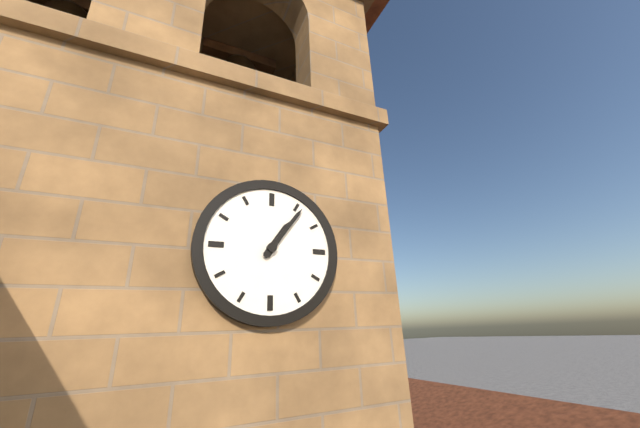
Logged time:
1h06
